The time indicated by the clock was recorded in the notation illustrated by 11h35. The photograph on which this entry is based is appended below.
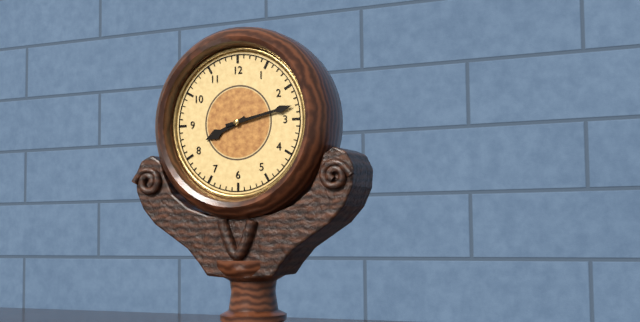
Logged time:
8h13
